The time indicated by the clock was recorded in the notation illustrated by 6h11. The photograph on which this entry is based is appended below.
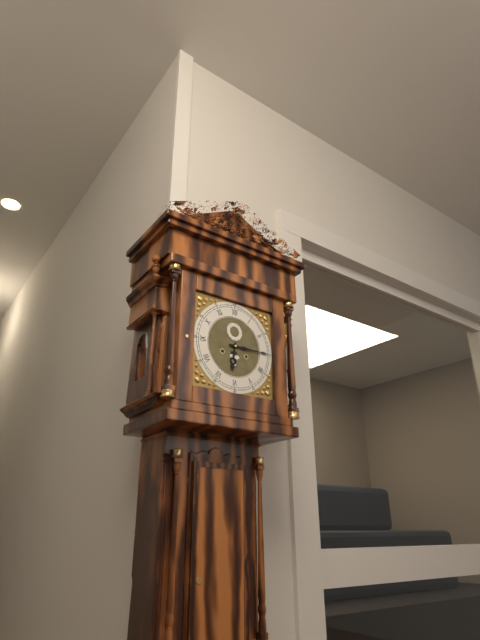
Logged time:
6h15
